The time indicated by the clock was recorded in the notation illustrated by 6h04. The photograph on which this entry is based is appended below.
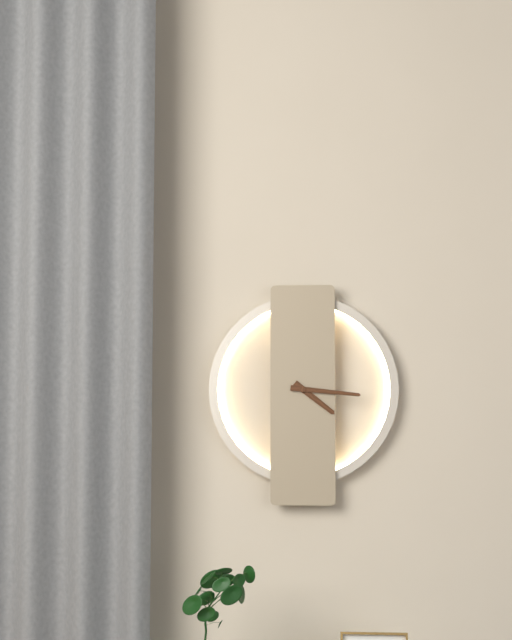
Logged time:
4h16
